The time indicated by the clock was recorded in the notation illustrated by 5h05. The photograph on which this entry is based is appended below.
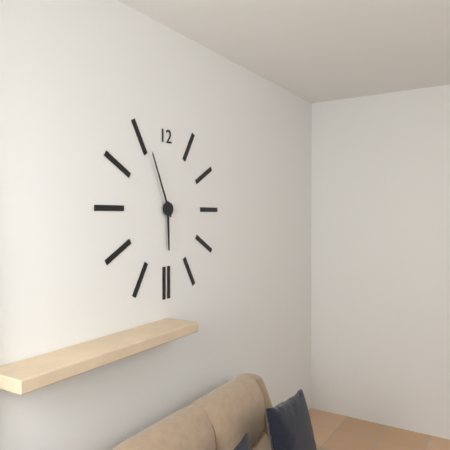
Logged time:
5h56
